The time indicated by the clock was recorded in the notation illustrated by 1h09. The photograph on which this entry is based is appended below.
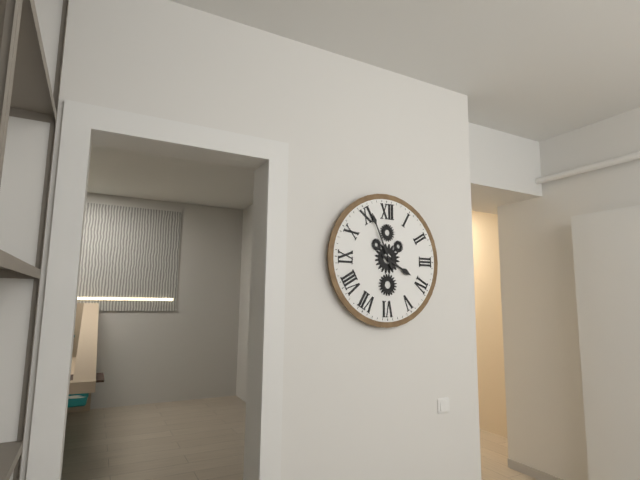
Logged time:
3h56
